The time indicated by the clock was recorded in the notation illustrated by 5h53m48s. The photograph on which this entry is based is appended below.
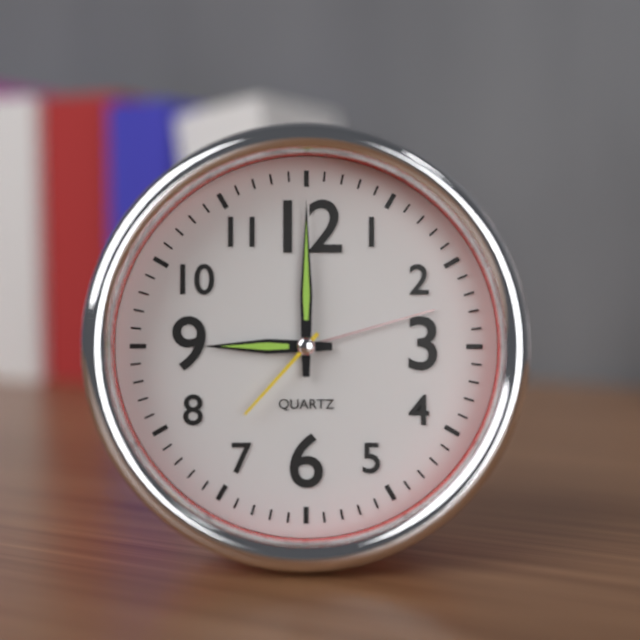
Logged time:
9h00m37s
